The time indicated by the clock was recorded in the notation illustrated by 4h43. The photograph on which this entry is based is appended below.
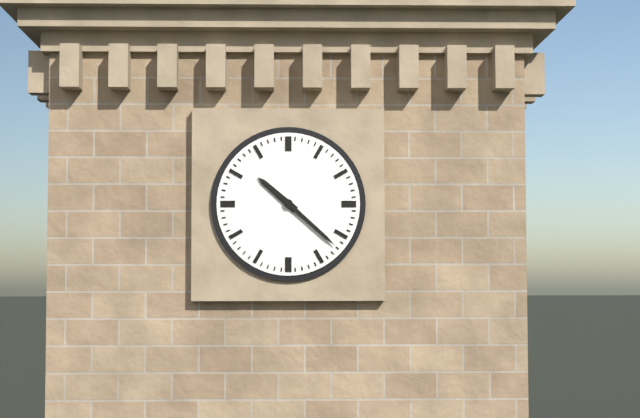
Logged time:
10h22
